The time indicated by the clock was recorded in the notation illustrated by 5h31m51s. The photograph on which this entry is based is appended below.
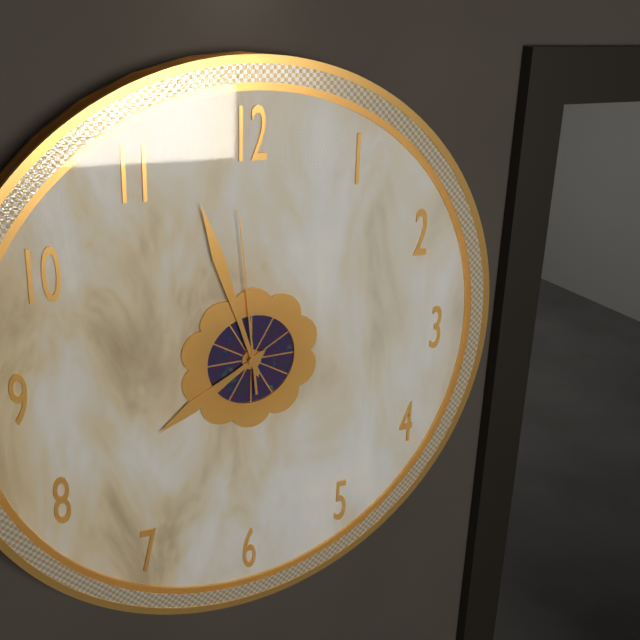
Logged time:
7h57m59s
